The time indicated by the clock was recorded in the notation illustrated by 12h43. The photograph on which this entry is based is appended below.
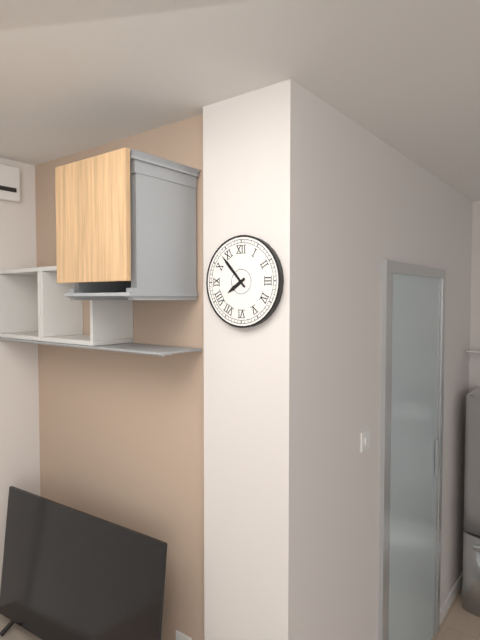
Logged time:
7h53
